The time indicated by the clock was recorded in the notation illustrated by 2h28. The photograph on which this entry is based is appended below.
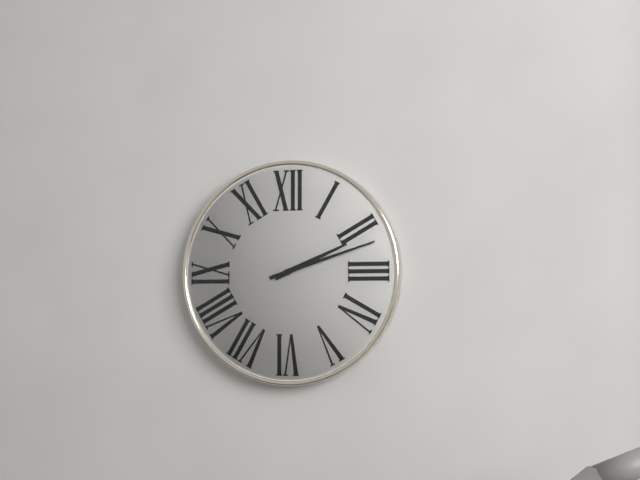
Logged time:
2h12
